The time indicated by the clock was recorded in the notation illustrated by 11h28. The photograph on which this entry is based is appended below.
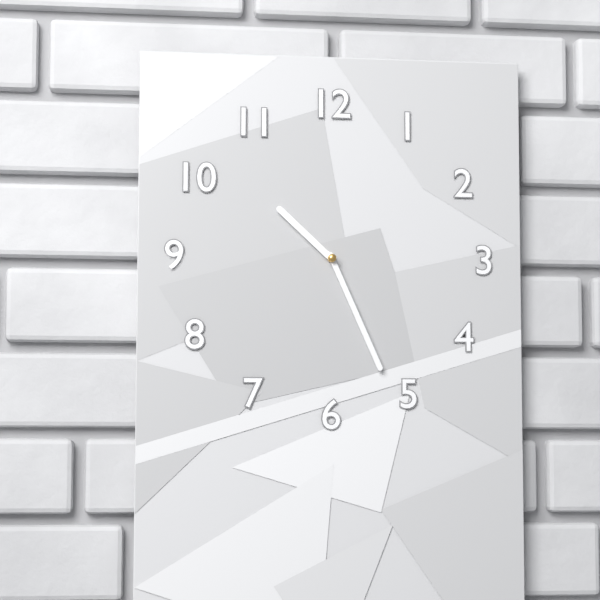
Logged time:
10h26
